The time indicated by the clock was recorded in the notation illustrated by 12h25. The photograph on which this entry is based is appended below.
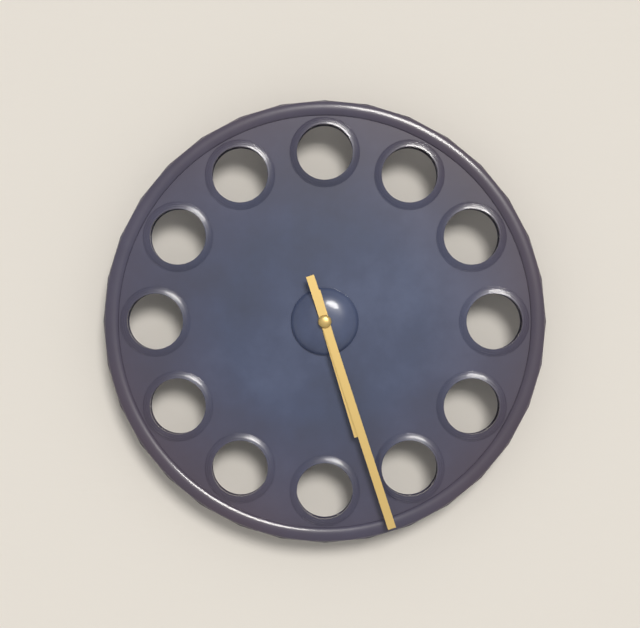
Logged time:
5h27
